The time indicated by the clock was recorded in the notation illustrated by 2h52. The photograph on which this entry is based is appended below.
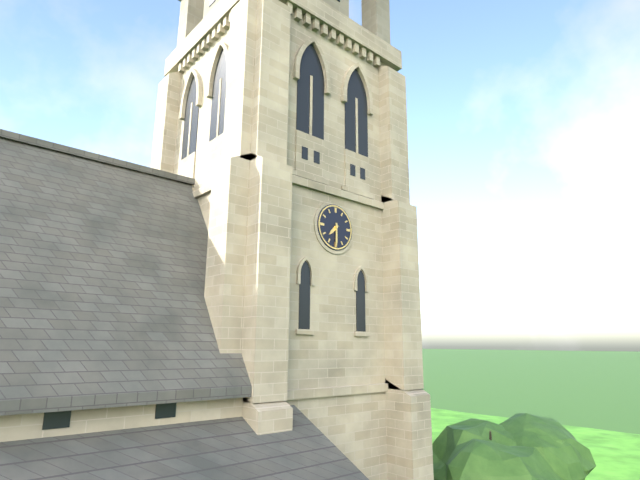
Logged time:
7h30
